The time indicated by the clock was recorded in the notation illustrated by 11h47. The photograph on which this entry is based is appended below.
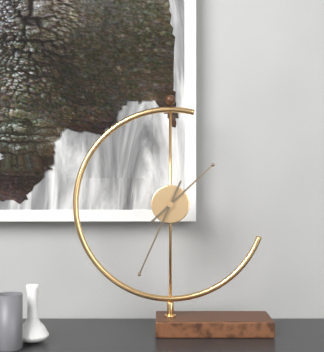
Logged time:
1h34
